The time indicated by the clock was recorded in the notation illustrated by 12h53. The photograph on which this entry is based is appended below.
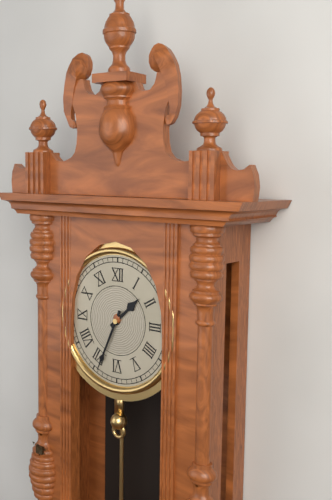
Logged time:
1h34
